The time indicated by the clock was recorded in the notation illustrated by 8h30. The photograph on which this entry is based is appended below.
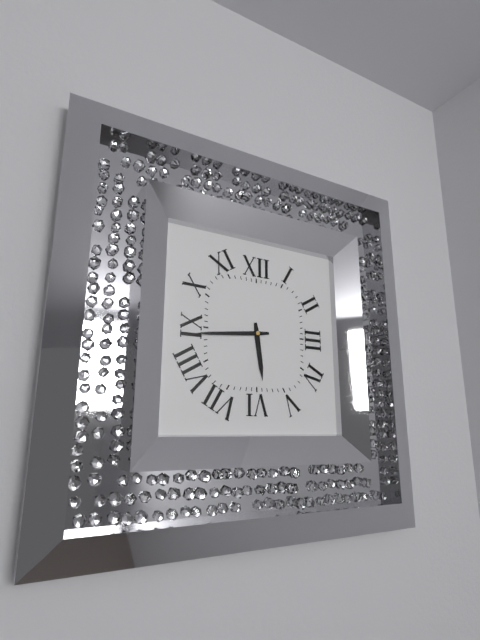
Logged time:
5h44
